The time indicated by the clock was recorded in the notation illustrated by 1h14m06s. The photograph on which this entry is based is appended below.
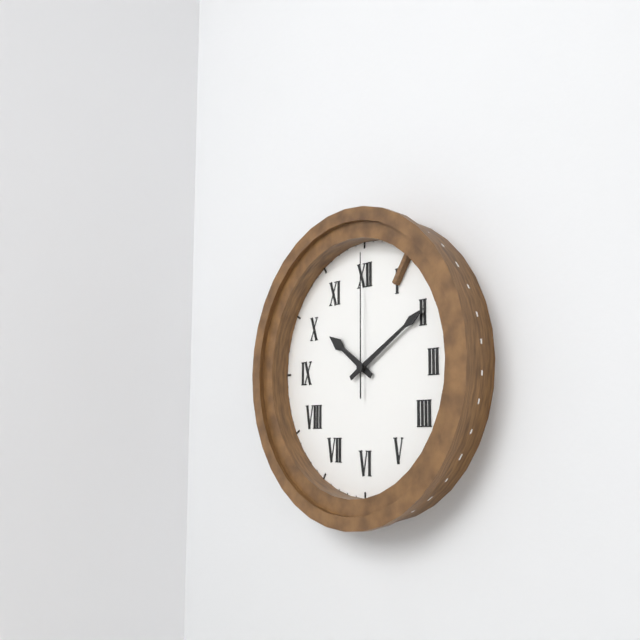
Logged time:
10h10m00s
